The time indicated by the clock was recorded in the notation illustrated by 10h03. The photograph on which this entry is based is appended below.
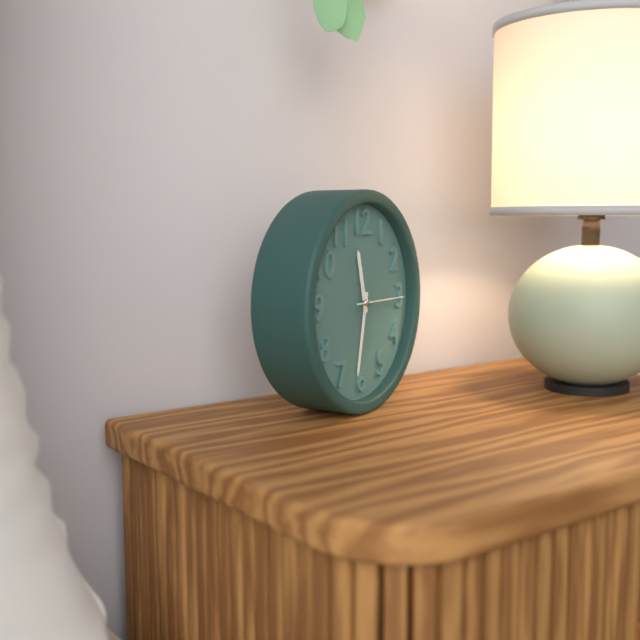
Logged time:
11h32
